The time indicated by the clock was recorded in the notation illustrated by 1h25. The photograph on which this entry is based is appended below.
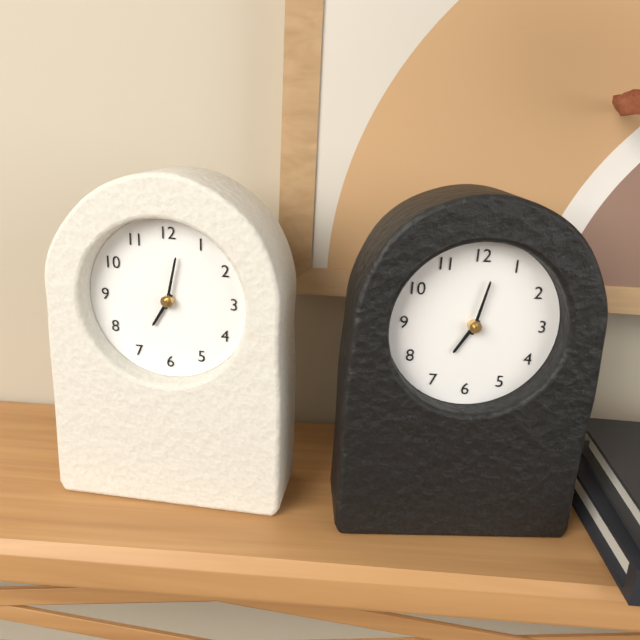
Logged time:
7h02
